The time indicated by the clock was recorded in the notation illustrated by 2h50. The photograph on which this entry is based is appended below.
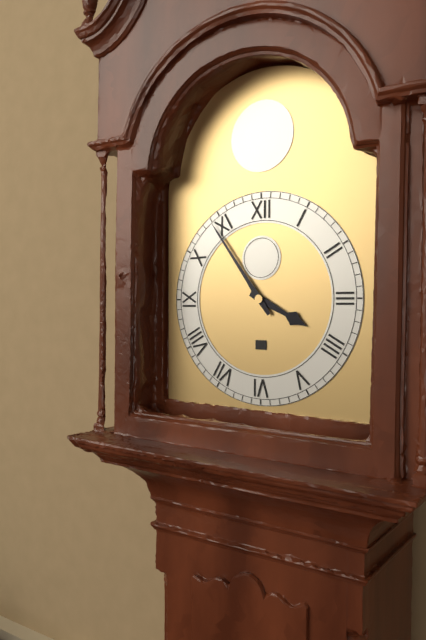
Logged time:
3h54
